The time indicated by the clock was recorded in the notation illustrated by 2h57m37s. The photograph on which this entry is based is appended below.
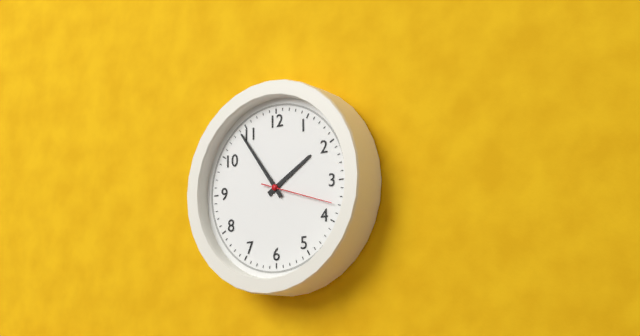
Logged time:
1h54m18s
